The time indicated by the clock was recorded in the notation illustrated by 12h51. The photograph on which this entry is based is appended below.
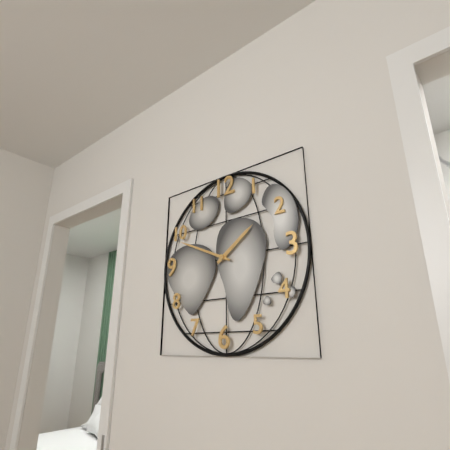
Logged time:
1h49
